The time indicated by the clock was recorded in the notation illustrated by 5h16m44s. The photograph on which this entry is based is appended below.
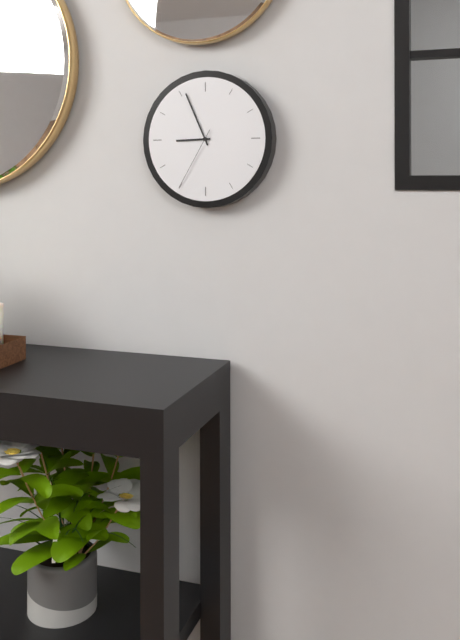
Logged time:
8h56m35s
